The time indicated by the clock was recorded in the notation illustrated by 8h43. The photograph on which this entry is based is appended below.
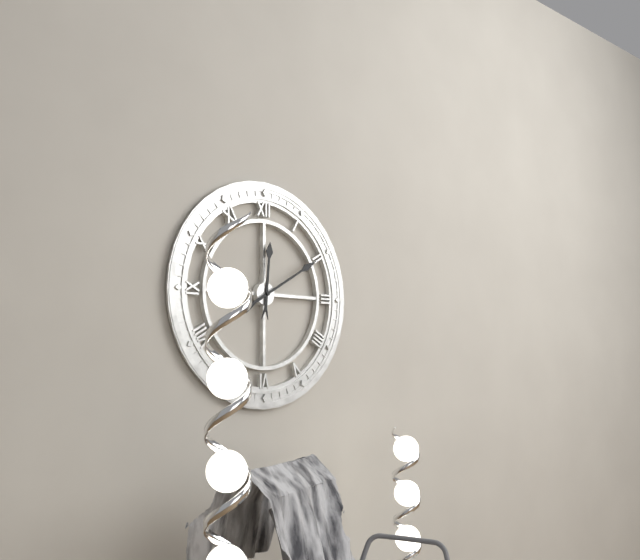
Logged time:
12h10
